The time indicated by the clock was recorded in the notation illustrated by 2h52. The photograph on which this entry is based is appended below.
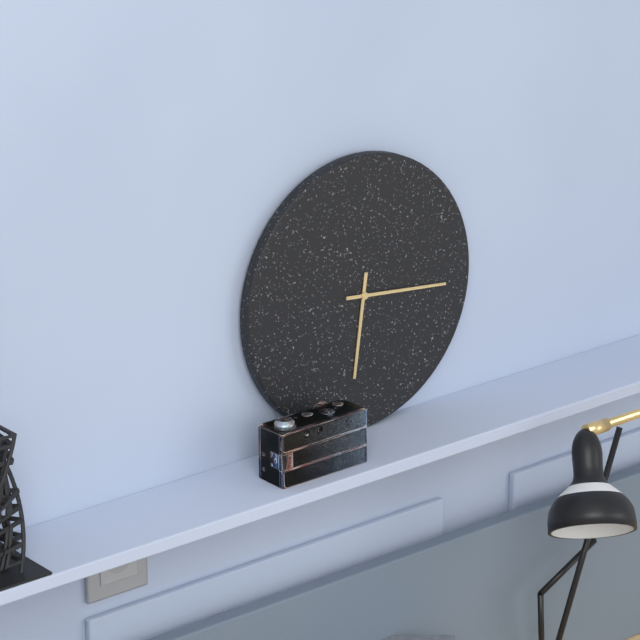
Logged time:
6h16
